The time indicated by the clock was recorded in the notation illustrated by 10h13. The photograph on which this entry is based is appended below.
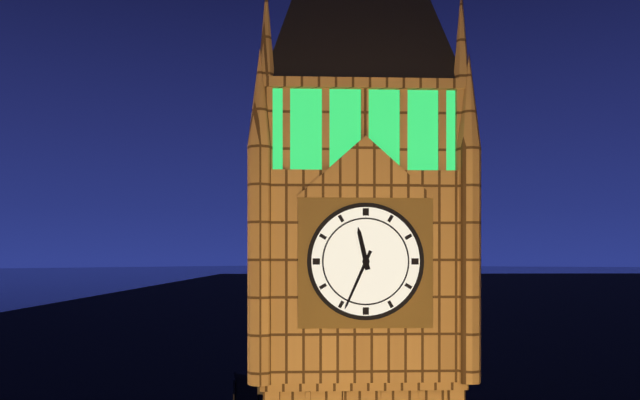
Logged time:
11h34
